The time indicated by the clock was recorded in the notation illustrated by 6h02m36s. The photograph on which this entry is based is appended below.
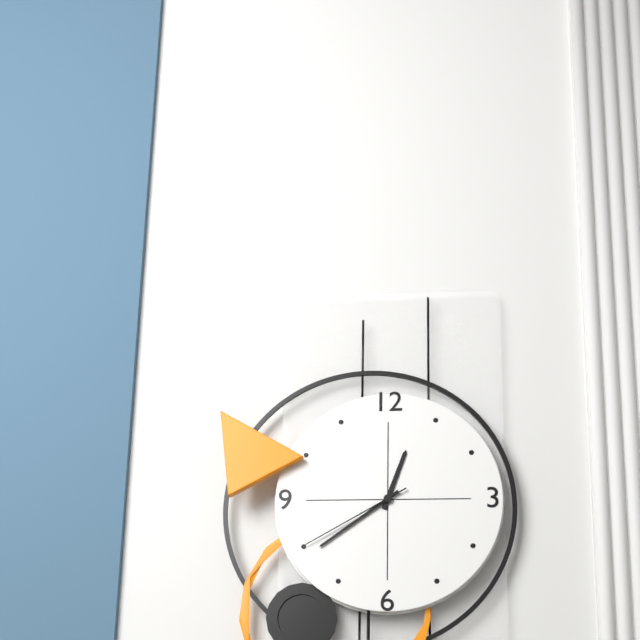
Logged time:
12h39m40s
